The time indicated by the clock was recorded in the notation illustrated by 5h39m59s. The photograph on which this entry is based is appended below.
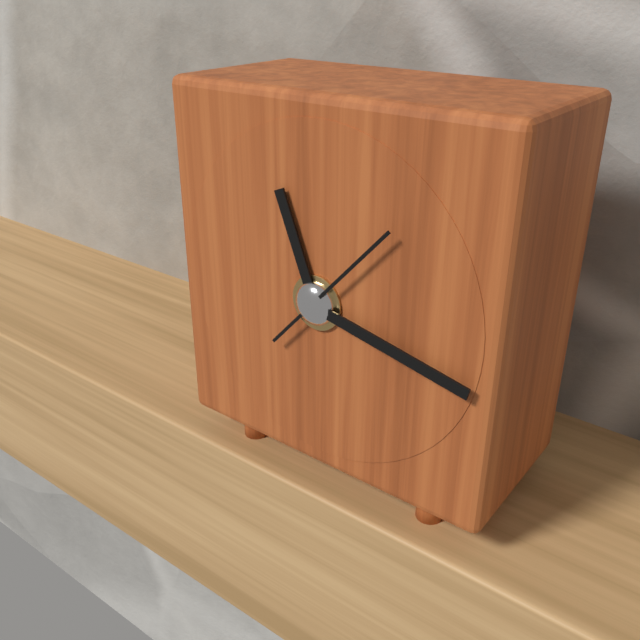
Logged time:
11h17m07s
